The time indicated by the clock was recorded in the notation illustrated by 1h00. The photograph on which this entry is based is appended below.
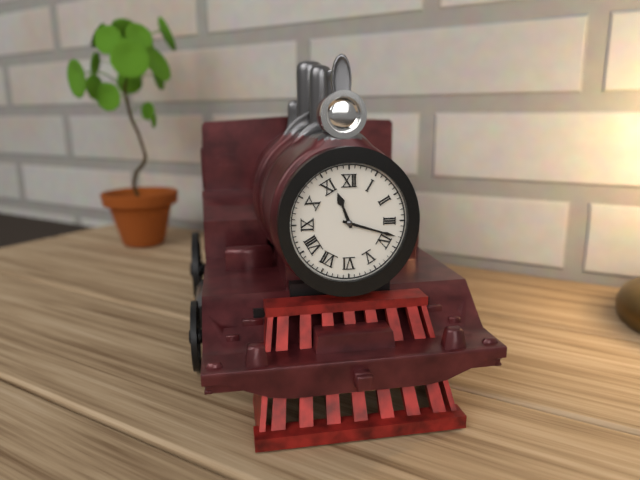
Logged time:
11h18
